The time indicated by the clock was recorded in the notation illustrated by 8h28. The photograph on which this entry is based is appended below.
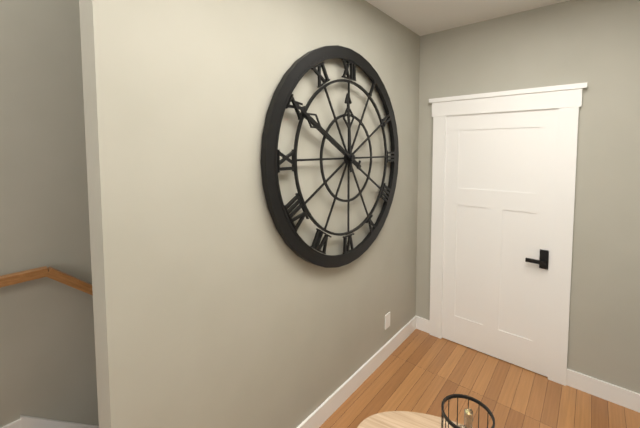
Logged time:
11h50
